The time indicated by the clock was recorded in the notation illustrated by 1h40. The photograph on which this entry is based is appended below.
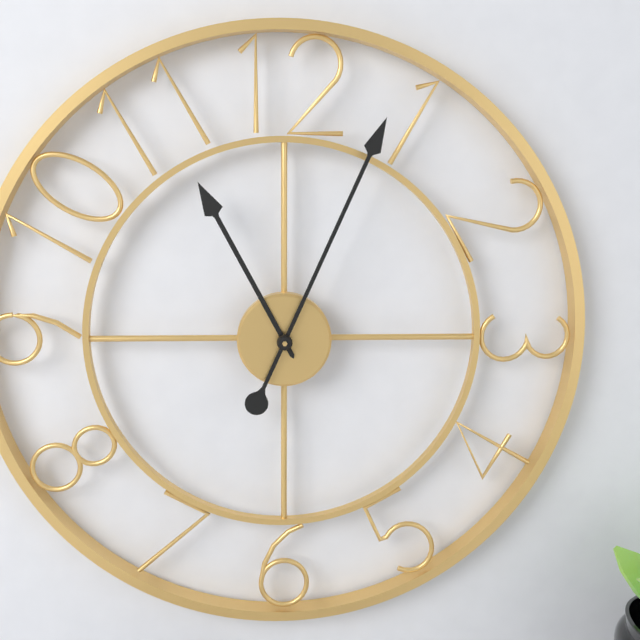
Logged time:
11h04
